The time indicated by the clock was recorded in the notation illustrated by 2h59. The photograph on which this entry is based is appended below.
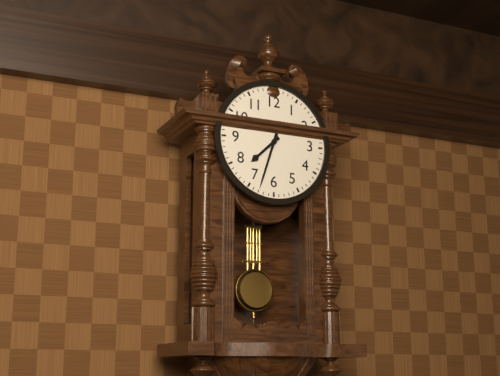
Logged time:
7h33
